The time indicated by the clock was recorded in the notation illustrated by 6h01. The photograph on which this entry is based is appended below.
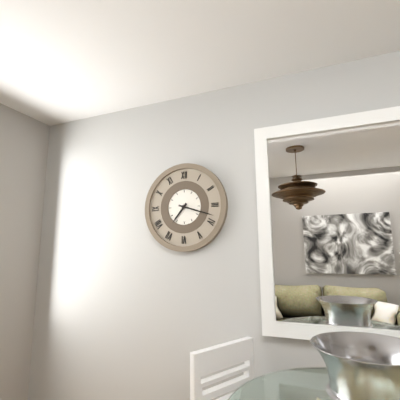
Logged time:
7h18
